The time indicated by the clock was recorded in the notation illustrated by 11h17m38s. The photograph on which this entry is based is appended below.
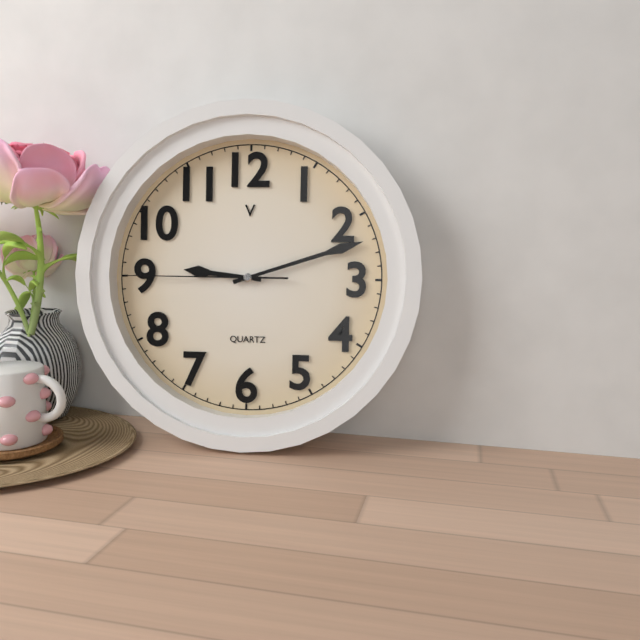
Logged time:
9h12m45s
